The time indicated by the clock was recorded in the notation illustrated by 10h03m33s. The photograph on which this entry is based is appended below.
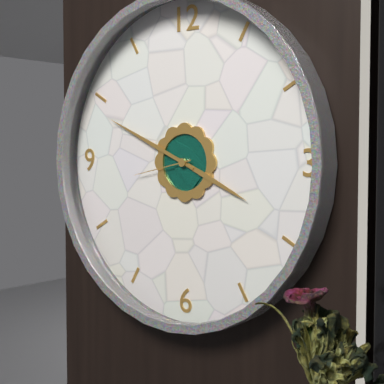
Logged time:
3h49m43s
